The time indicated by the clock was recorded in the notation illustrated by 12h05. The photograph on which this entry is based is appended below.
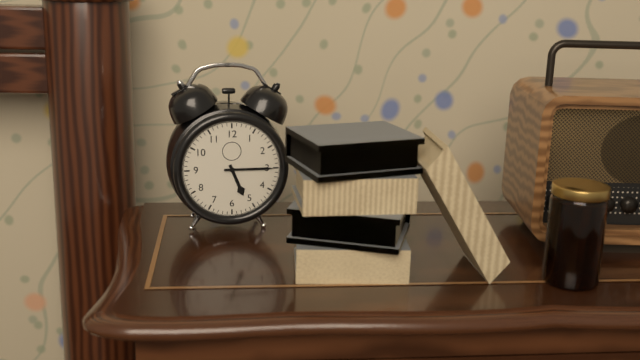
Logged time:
5h15
